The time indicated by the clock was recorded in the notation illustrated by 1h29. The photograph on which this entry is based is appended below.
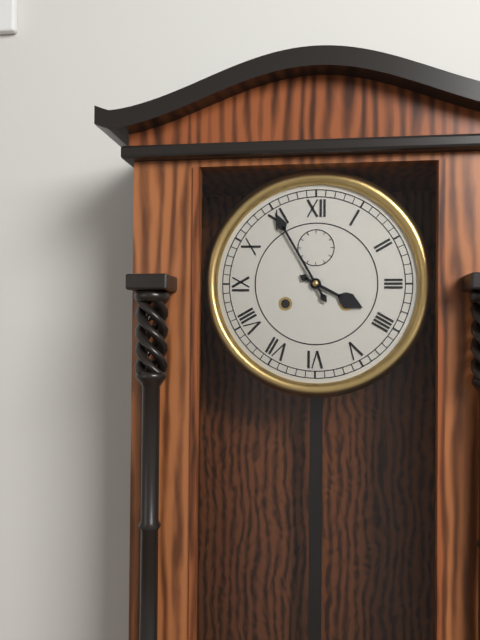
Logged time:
3h55
